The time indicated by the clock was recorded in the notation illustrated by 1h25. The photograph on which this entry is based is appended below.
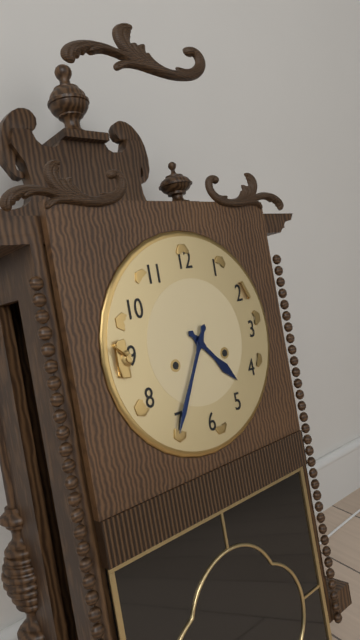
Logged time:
4h35
